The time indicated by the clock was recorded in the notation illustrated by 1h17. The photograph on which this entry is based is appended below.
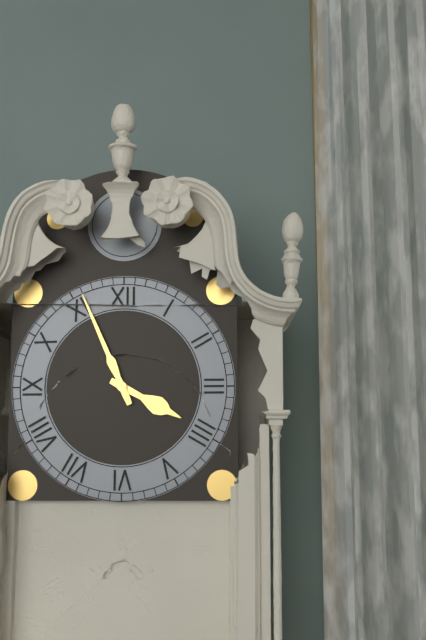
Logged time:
3h56
